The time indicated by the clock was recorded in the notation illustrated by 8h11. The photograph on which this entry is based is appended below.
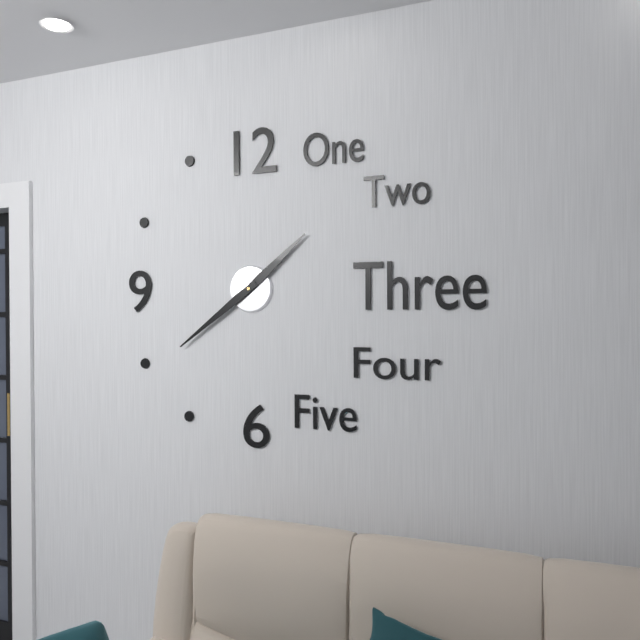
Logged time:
1h39
